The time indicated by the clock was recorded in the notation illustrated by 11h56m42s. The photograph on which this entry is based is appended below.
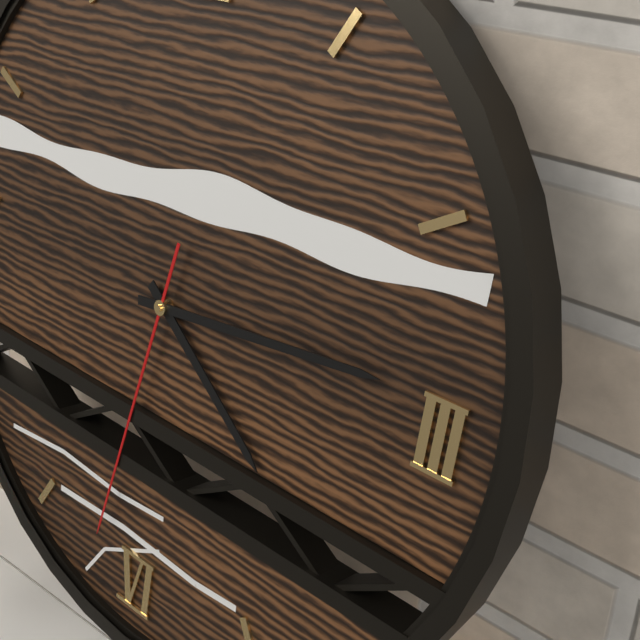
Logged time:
4h14m32s
